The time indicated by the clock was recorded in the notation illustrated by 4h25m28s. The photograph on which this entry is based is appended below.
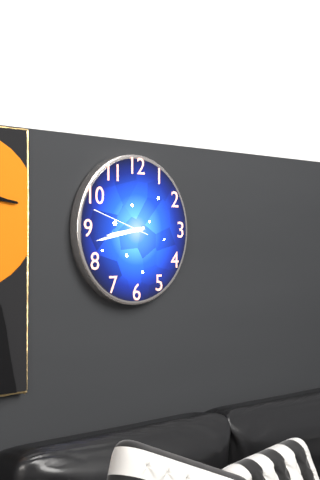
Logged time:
8h43m48s
